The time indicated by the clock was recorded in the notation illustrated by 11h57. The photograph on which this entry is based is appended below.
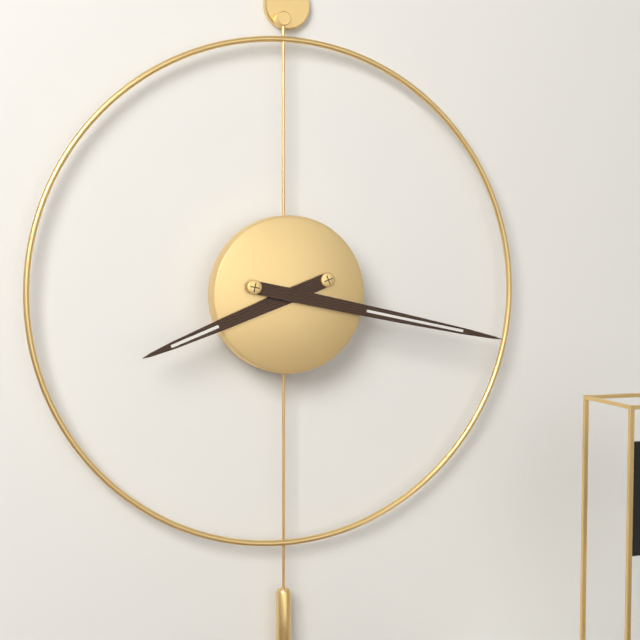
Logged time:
8h17
